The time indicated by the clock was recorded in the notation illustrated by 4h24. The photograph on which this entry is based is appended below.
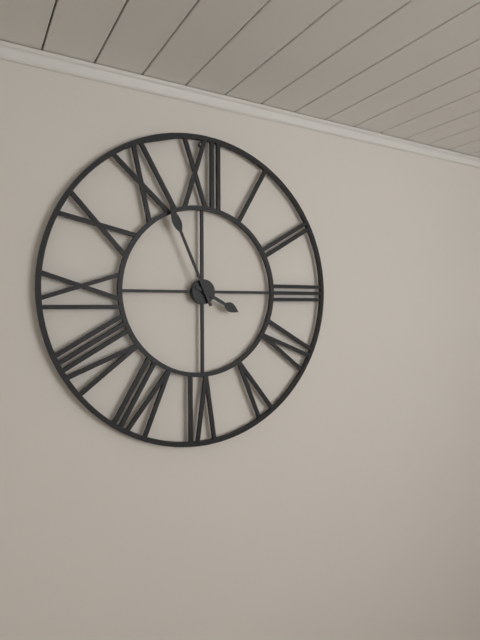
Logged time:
3h56
